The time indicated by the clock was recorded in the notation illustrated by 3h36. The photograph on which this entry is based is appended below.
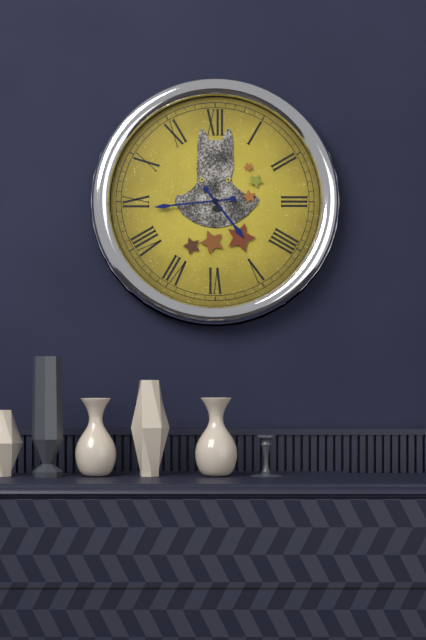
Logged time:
4h44
